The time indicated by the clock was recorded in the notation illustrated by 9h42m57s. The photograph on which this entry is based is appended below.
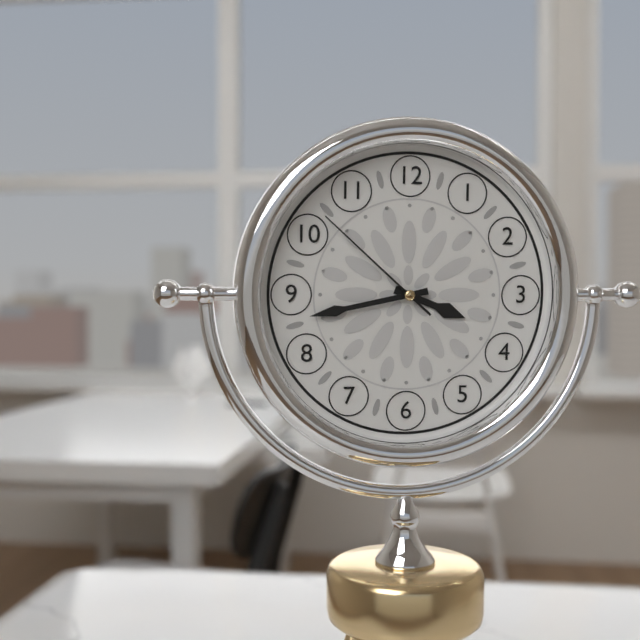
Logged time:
3h43m52s
